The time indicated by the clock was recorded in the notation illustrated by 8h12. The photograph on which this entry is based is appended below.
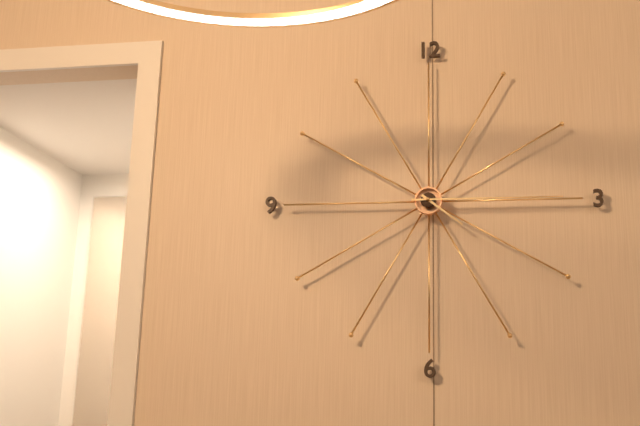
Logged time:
4h15
